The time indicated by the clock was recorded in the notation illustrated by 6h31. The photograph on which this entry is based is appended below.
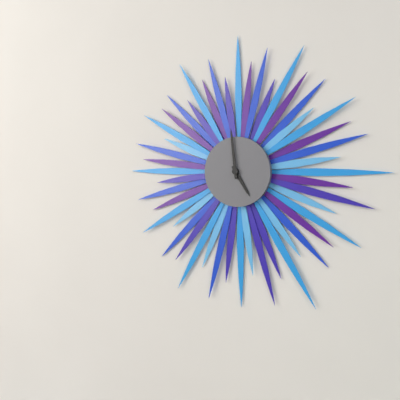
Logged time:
4h59
